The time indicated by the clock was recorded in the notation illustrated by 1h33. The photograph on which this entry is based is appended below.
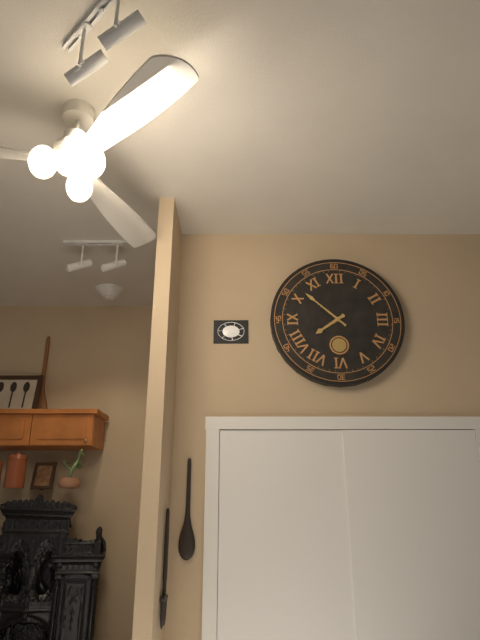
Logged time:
7h52
